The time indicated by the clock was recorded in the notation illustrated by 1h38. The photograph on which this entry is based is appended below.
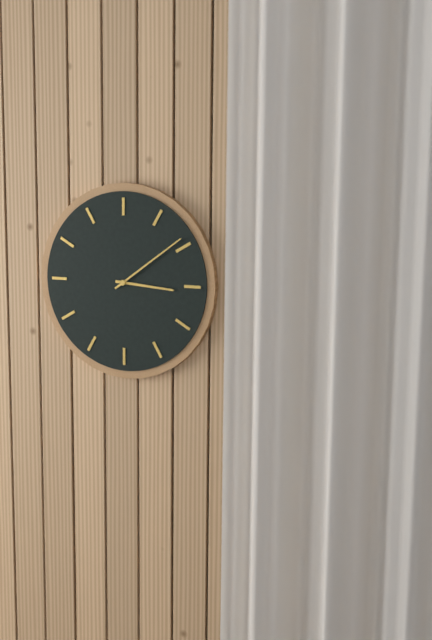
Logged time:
3h09
